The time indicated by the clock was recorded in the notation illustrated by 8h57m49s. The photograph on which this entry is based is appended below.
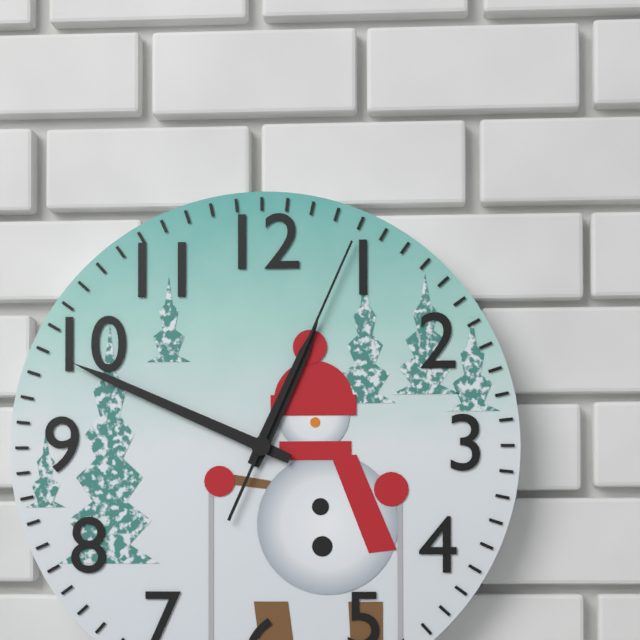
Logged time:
12h49m04s
